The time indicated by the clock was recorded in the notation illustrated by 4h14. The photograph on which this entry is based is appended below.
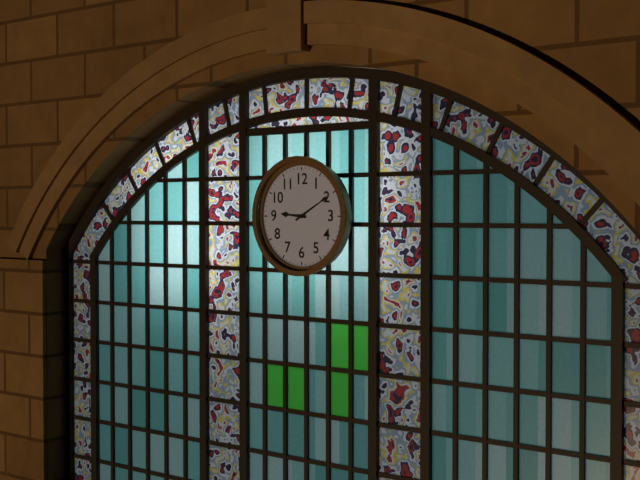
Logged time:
9h10
